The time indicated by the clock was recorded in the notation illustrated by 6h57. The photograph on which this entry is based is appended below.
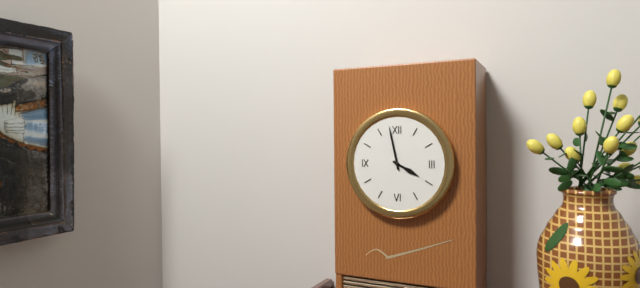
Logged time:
3h58
